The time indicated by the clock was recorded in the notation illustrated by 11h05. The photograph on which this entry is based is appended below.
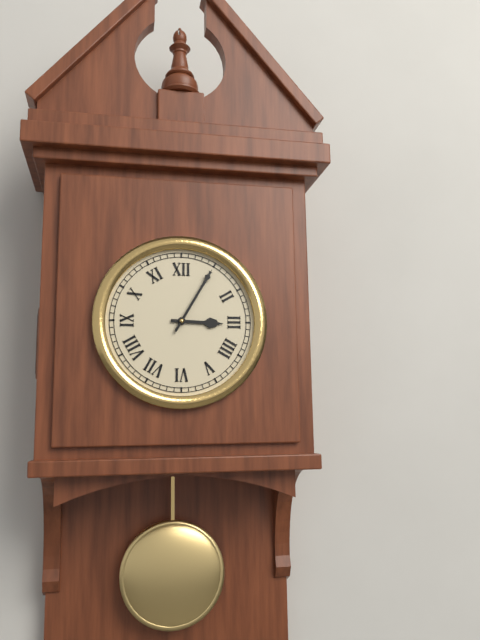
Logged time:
3h05
